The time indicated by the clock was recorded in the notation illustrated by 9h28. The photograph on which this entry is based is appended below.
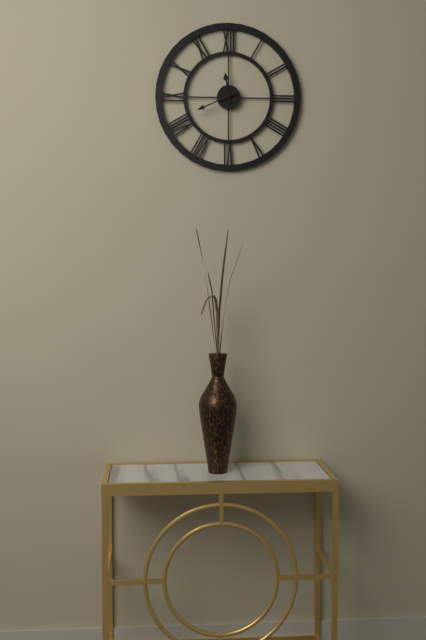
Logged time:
11h41
